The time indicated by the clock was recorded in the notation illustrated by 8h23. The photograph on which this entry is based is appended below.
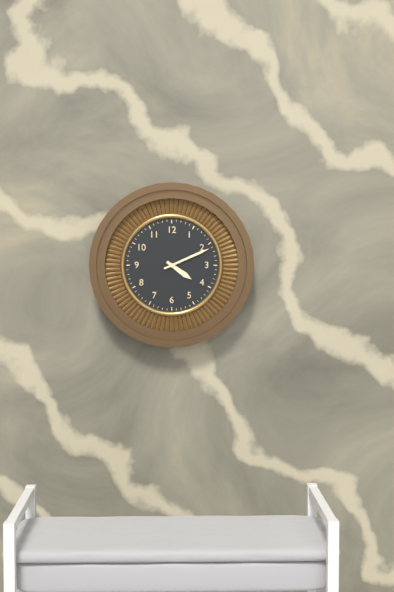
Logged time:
4h11
